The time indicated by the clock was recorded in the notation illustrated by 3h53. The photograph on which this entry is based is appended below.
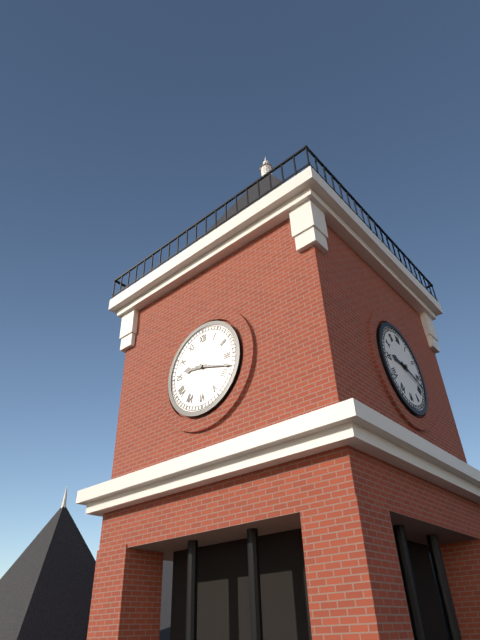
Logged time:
9h18
